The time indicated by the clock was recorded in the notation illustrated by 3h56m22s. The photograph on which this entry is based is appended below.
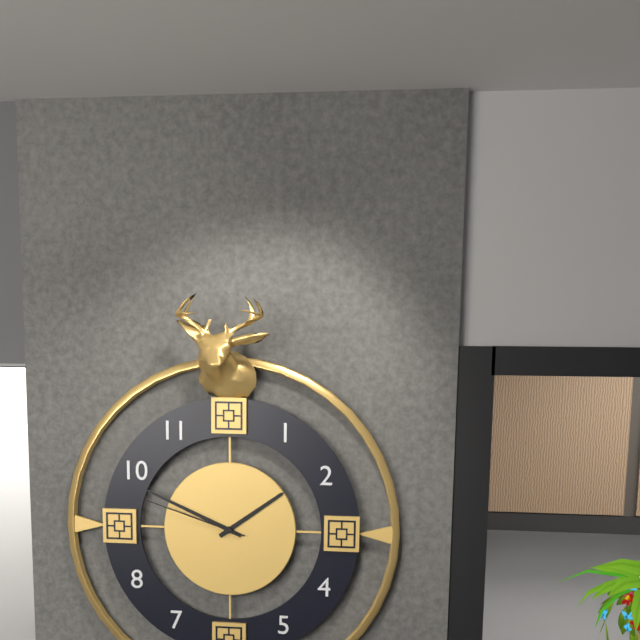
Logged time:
1h49m48s
